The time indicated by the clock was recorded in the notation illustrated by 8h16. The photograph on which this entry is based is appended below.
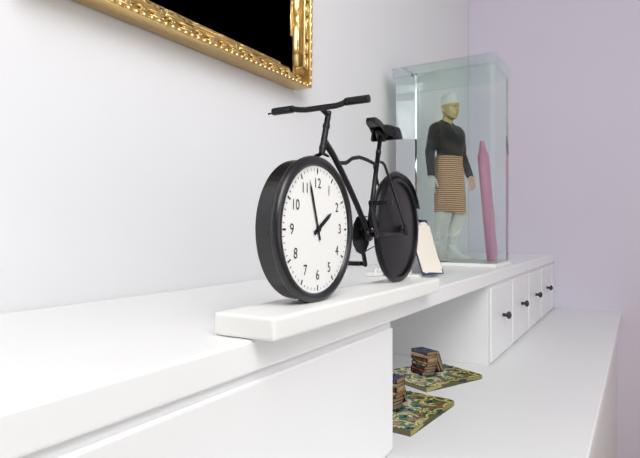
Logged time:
1h57
